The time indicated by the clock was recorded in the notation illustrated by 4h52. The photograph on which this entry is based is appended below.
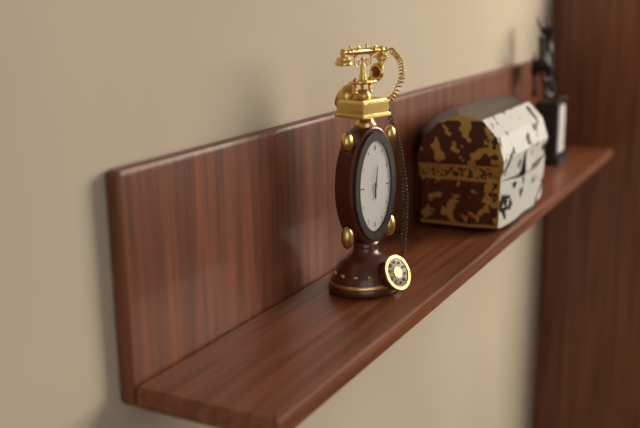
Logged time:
6h01
